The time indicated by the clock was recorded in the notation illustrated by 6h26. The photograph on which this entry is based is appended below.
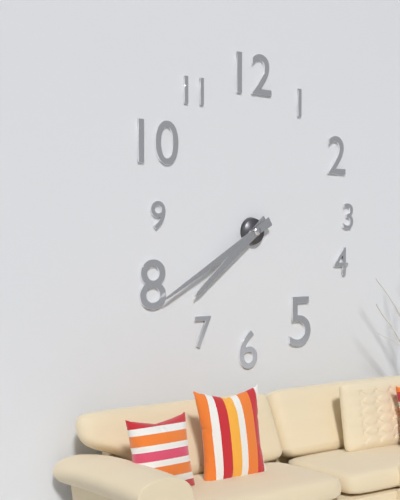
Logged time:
7h40
